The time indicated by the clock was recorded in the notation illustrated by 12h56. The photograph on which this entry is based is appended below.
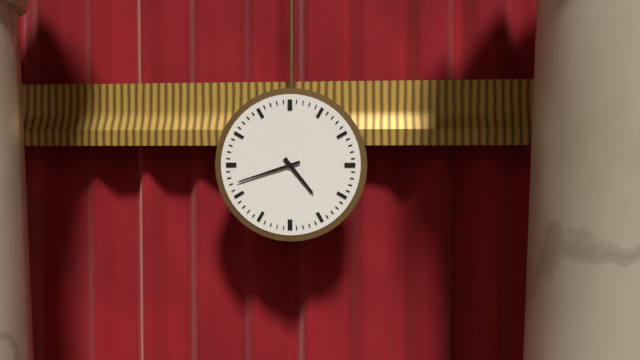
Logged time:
4h42
